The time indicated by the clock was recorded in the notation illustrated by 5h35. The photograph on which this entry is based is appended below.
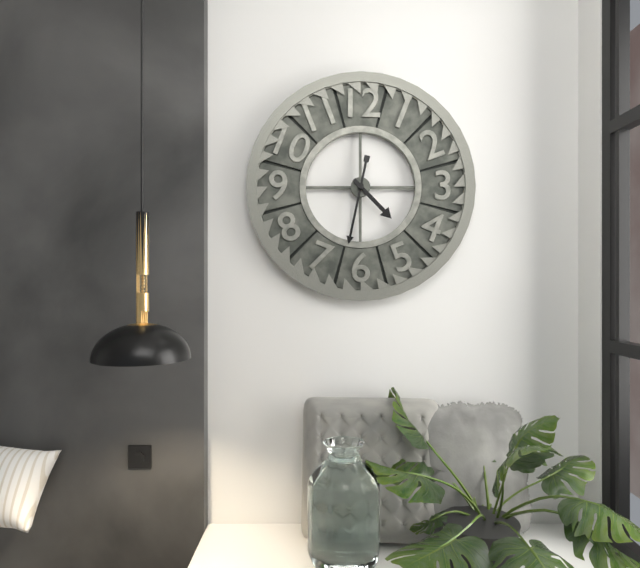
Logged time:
4h32
